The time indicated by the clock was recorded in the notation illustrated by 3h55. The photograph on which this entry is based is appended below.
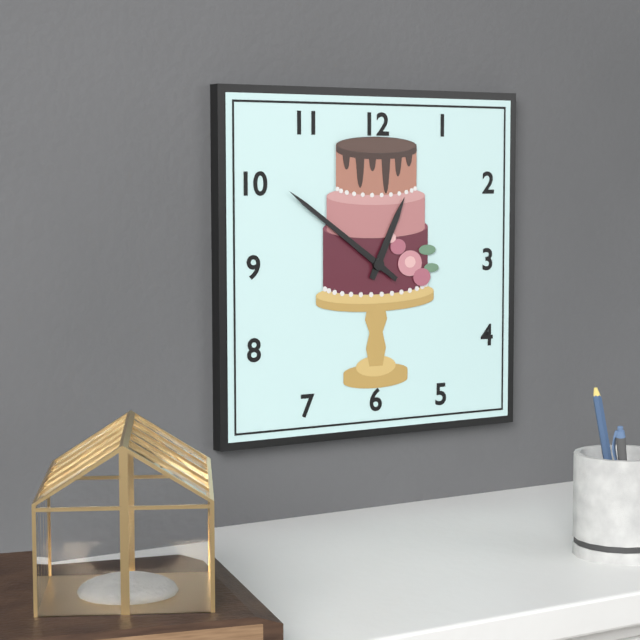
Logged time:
12h51
